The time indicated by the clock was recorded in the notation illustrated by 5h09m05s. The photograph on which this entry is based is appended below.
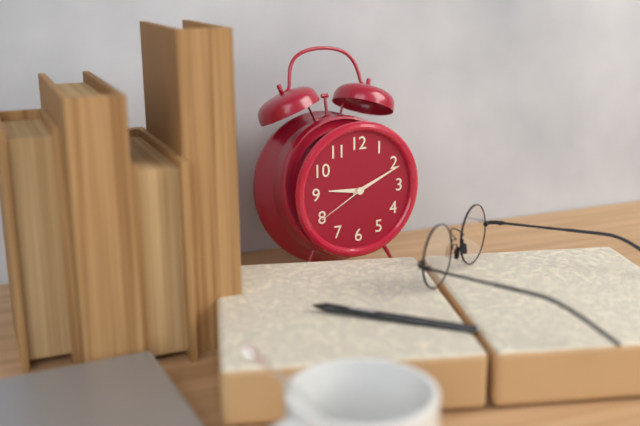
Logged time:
9h11m40s
